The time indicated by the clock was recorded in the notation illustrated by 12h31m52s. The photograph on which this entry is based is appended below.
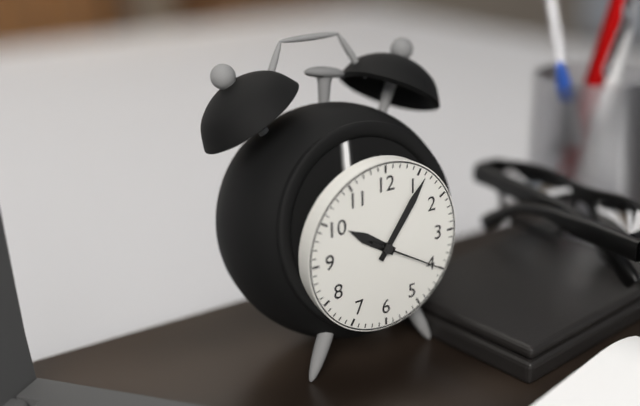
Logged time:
10h06m20s
